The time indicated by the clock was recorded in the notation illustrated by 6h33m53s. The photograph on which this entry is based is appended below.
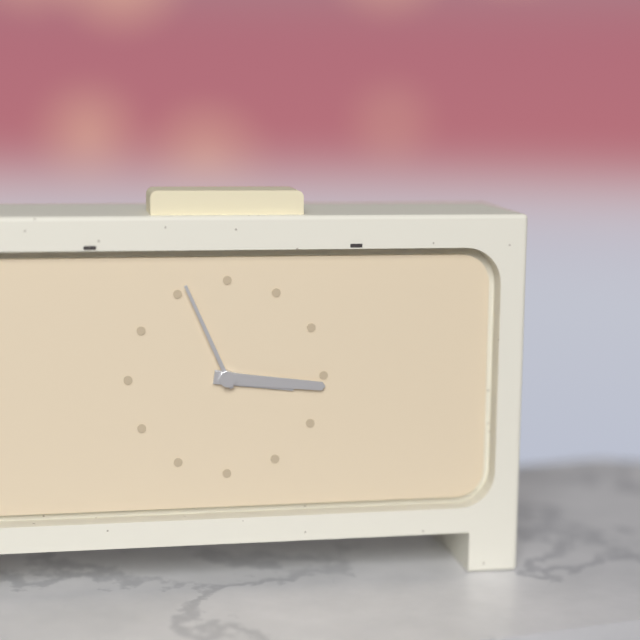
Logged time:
3h16m56s
